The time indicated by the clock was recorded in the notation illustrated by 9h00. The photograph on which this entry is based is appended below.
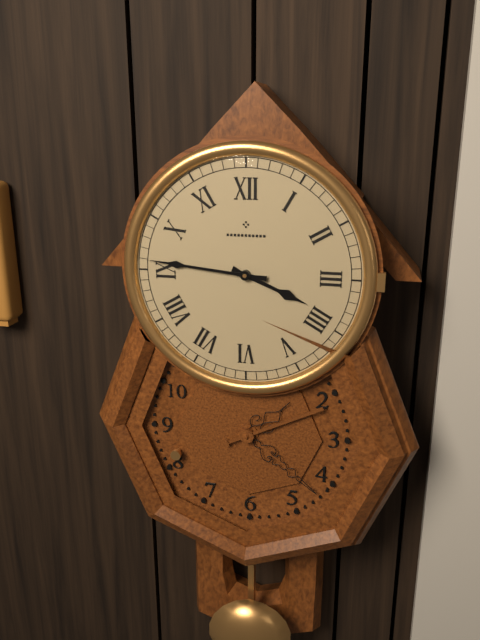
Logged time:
3h46
